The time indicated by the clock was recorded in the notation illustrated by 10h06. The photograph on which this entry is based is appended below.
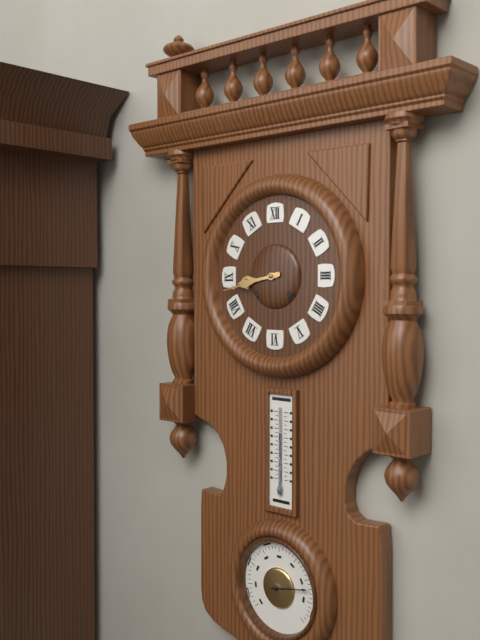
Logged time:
8h43
